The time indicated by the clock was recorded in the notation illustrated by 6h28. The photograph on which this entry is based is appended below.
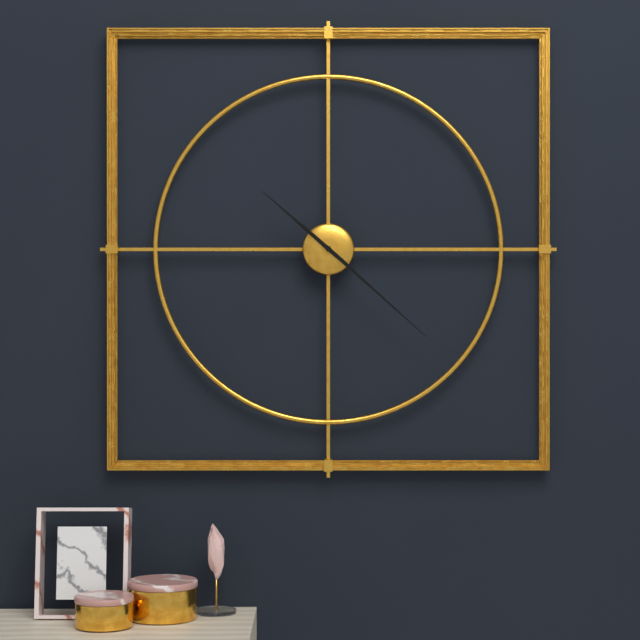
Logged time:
10h22
